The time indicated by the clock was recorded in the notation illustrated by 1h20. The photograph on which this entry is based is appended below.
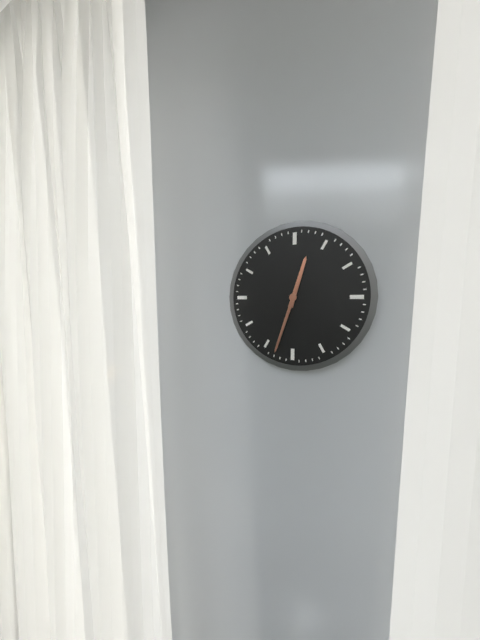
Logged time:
12h33
